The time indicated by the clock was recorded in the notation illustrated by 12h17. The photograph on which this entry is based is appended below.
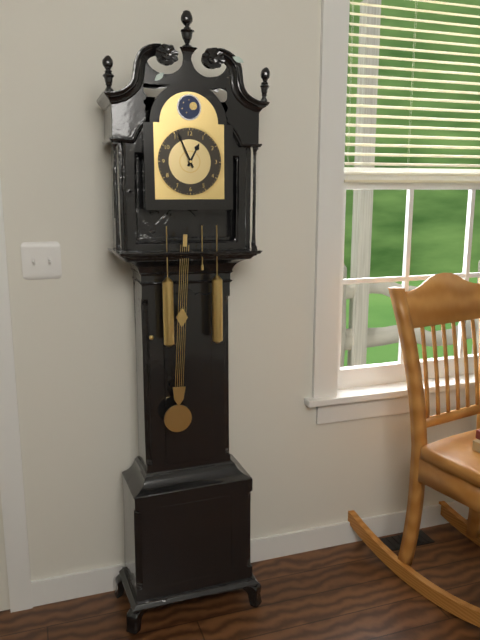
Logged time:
12h56
